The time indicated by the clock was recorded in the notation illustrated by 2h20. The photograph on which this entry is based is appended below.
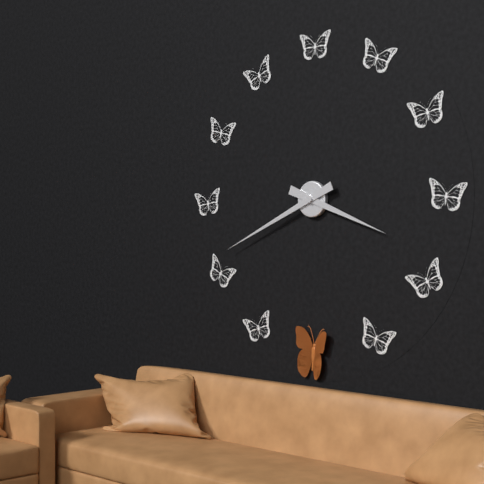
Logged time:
3h41
